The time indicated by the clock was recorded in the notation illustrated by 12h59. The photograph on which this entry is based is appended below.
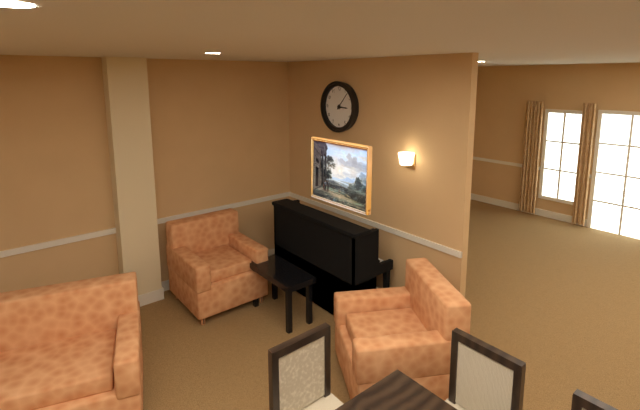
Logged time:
3h07
